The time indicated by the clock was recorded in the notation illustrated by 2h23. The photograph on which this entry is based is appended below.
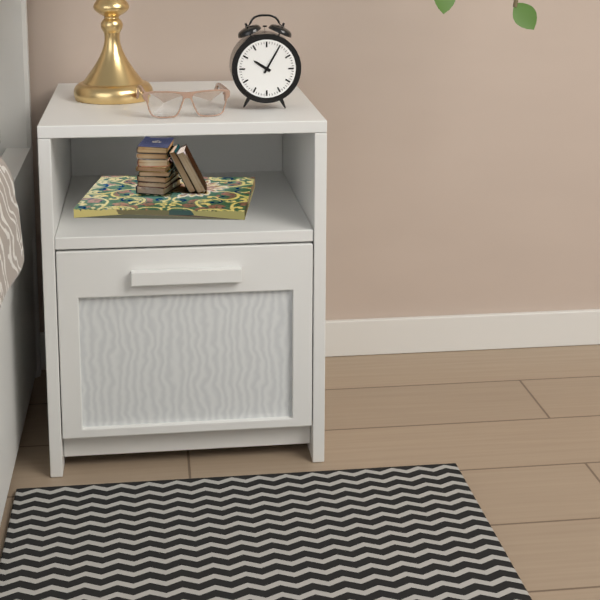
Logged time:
10h05
